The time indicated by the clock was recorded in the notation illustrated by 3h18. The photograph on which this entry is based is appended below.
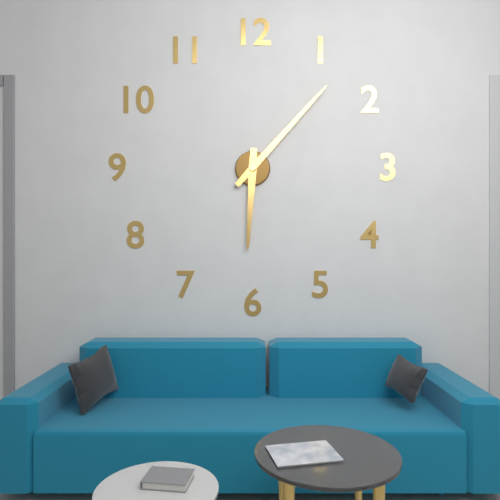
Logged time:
6h07
